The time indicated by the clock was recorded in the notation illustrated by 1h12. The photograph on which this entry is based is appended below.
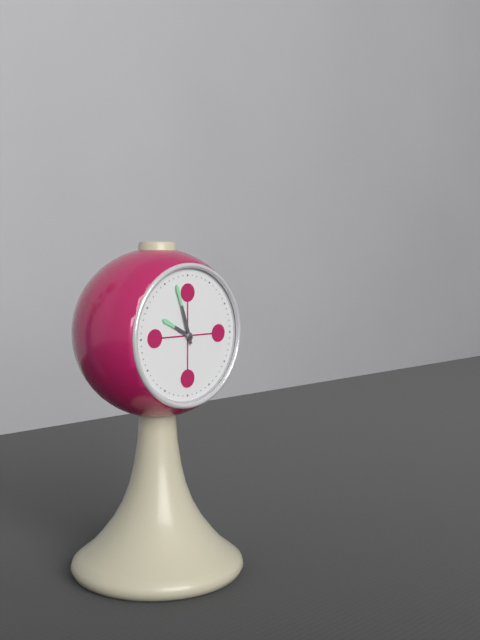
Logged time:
9h57
